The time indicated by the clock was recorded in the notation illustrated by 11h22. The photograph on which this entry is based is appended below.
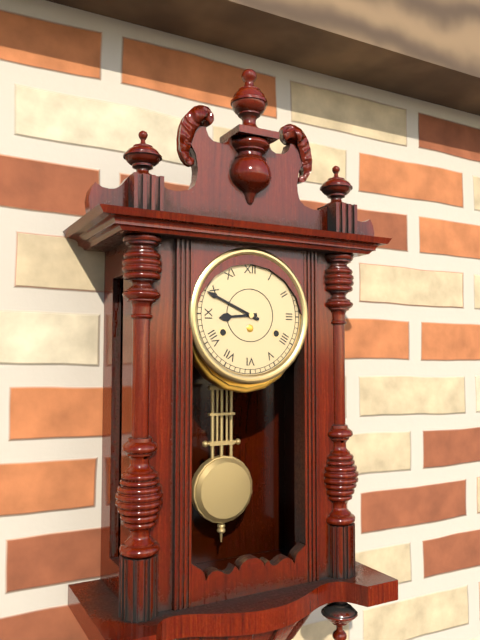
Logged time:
8h49
